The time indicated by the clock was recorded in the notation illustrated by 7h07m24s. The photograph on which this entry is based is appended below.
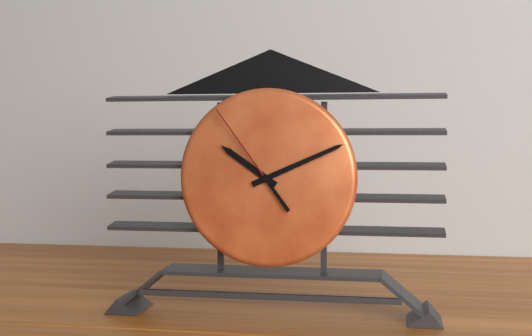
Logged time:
10h11m54s
